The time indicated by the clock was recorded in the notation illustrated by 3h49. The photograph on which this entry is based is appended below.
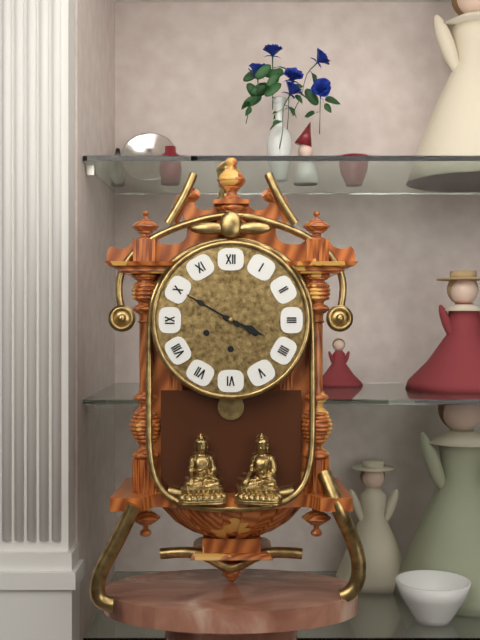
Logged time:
3h50
